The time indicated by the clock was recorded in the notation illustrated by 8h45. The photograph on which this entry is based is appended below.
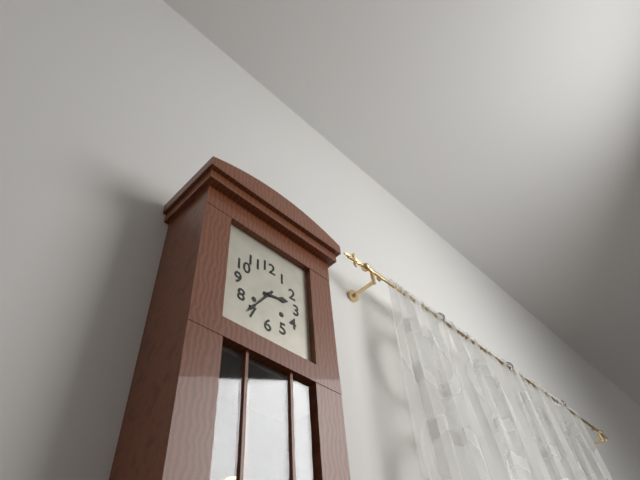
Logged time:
2h36
